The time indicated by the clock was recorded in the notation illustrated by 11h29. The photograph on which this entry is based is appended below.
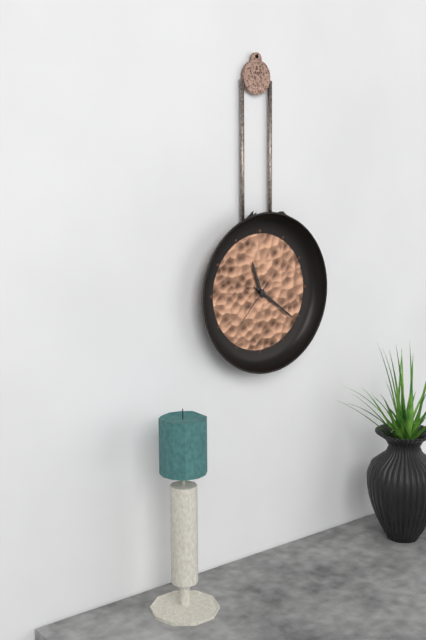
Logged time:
11h21
